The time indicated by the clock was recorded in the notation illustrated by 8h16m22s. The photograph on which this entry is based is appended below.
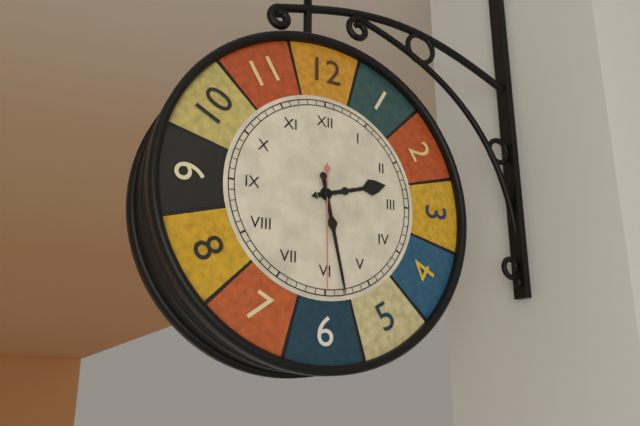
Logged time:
2h28m30s
